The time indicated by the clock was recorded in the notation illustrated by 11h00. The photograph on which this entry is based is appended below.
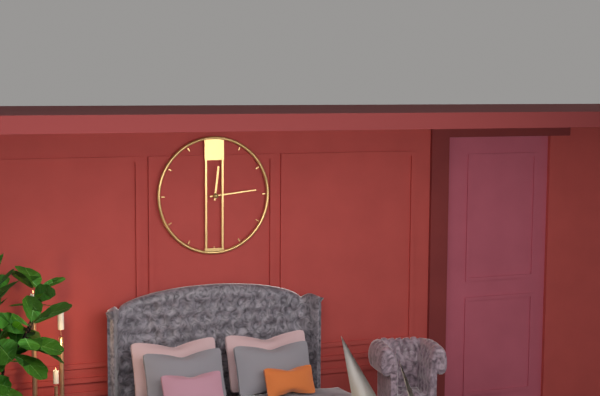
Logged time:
12h14
